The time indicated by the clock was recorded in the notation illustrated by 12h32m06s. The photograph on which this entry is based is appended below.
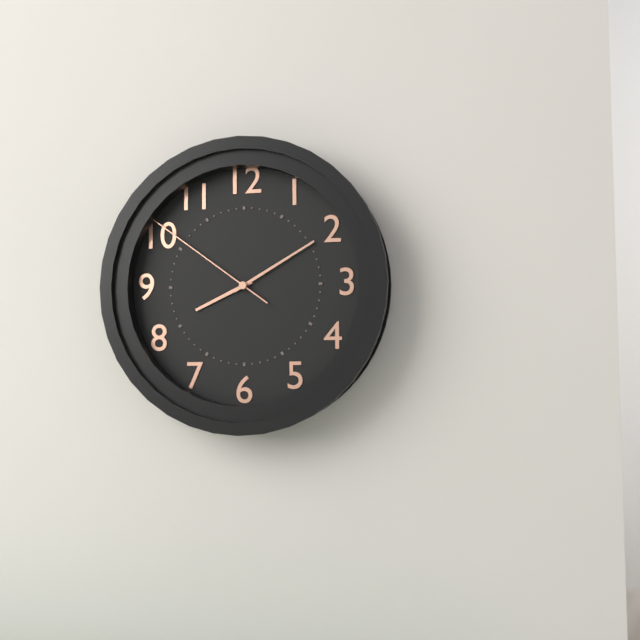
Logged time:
8h10m51s
